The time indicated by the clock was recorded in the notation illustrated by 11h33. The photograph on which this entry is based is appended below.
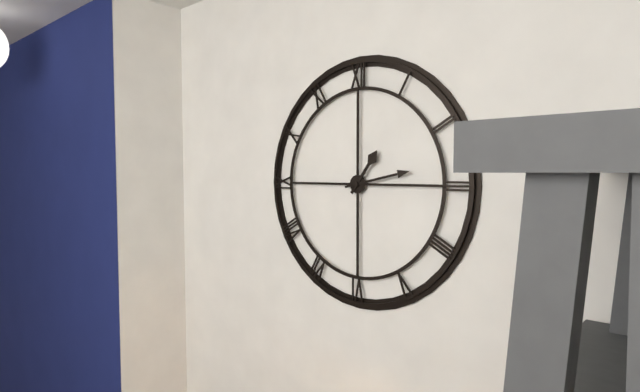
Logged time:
1h13
